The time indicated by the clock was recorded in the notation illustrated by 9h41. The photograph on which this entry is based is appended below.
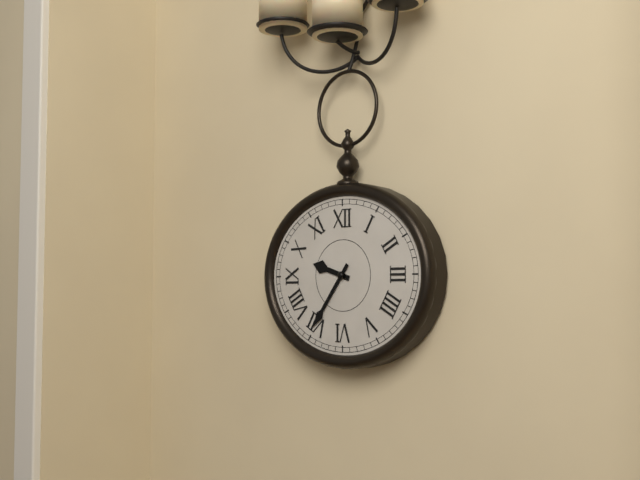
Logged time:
9h36
